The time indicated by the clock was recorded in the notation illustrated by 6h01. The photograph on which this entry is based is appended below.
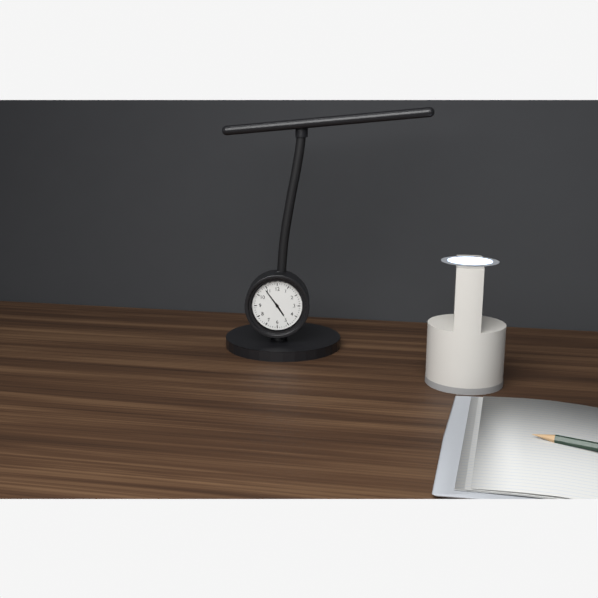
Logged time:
4h54
